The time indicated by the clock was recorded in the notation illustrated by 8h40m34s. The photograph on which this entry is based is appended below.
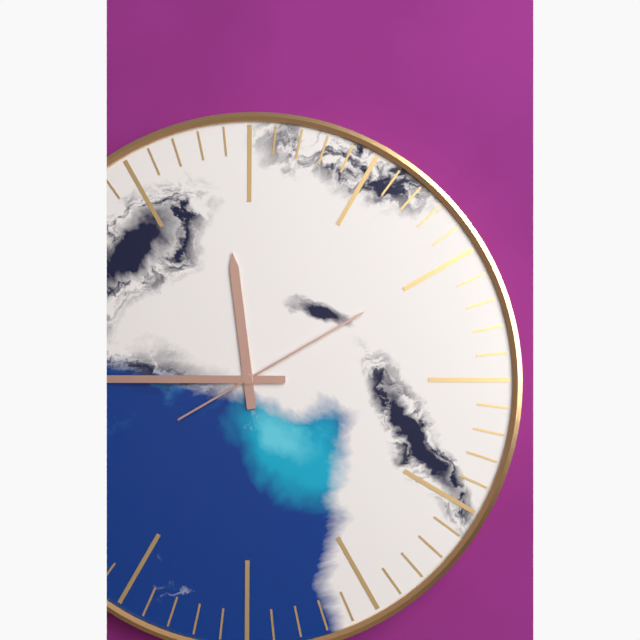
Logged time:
11h45m10s
